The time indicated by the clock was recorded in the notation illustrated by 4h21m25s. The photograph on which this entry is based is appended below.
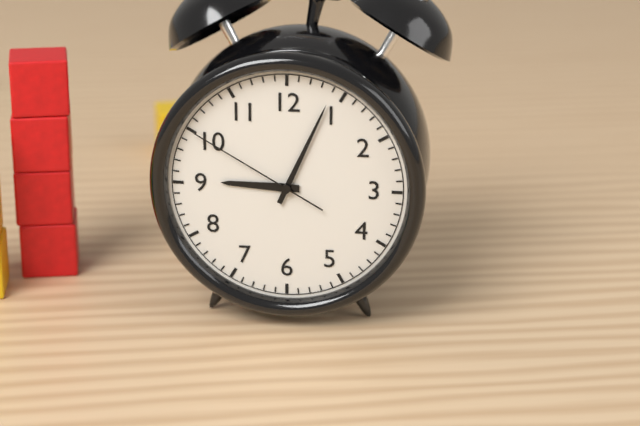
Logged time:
9h04m50s
